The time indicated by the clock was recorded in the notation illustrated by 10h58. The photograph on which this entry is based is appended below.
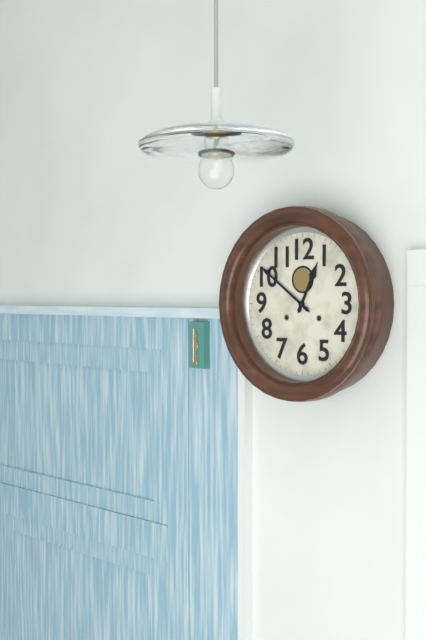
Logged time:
12h51
